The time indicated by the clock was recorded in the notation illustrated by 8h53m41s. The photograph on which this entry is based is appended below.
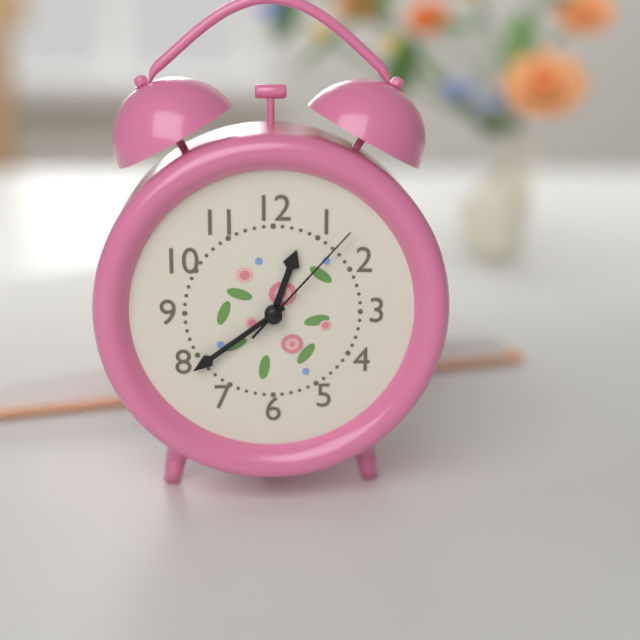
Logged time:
12h39m07s
